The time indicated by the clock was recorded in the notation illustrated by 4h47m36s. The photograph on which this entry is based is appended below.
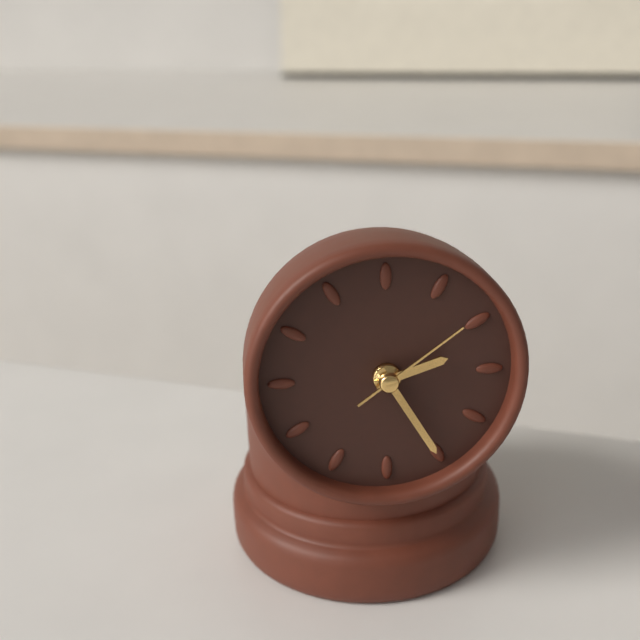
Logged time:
2h25m09s
